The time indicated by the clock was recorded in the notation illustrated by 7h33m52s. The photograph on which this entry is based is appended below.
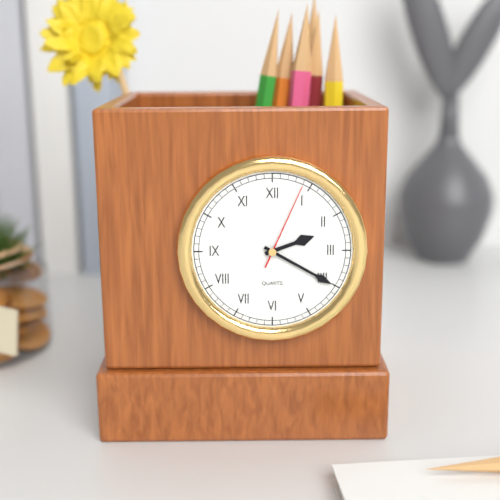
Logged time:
2h20m04s
